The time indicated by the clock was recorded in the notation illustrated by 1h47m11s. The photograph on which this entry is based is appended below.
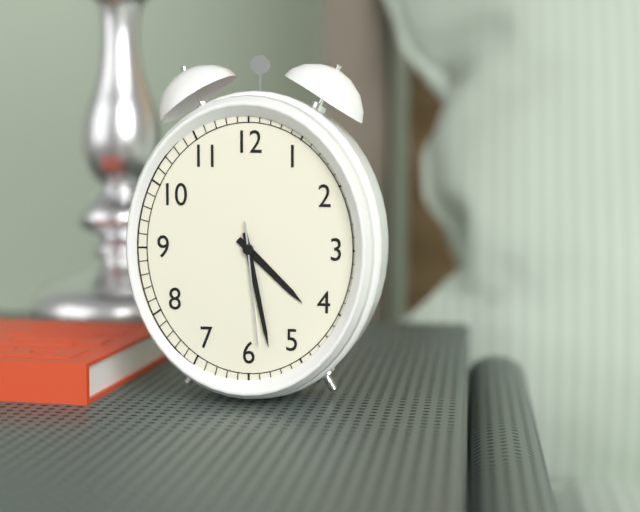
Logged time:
4h28m29s
